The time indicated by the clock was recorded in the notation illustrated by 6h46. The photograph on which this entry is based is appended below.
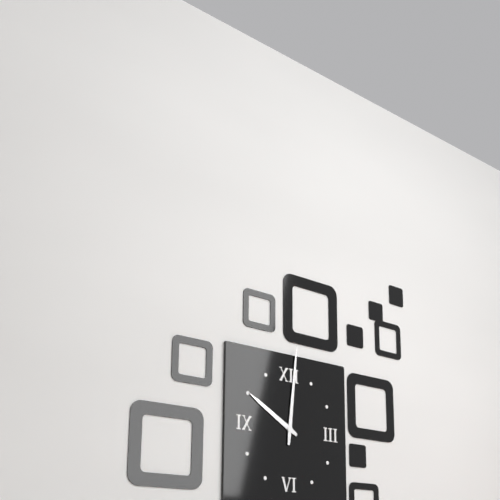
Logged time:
10h01
